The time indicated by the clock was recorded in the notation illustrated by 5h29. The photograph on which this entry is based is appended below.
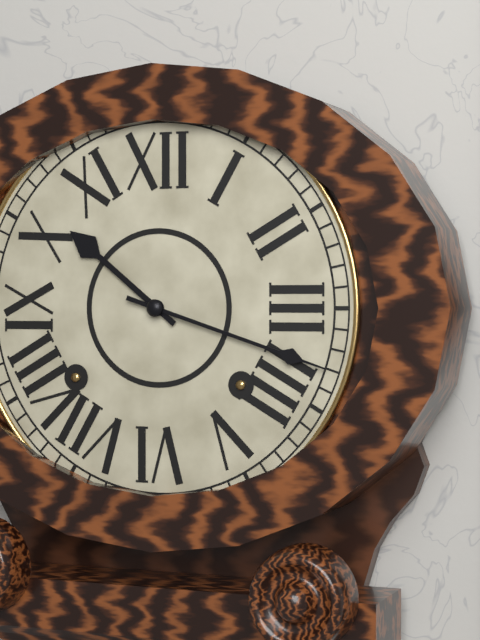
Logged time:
10h18
